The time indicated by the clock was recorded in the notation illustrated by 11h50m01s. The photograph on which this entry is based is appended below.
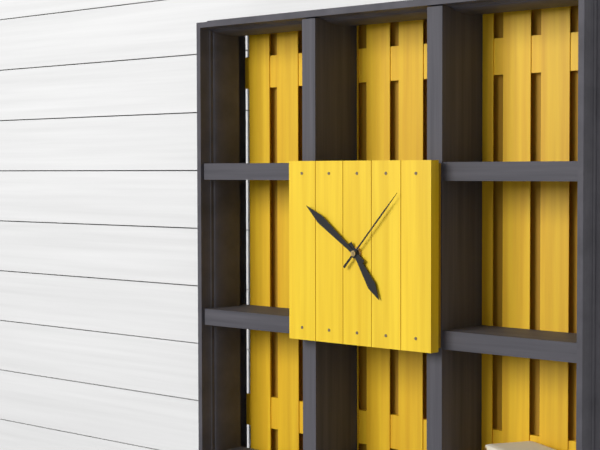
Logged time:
4h51m07s
